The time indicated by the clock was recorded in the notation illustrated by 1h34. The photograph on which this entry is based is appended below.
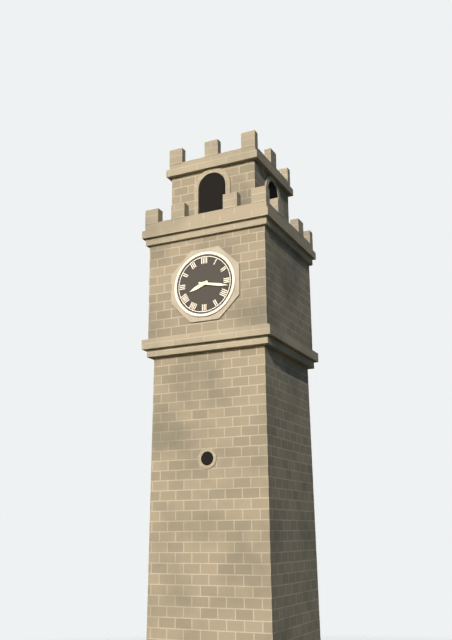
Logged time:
8h17
